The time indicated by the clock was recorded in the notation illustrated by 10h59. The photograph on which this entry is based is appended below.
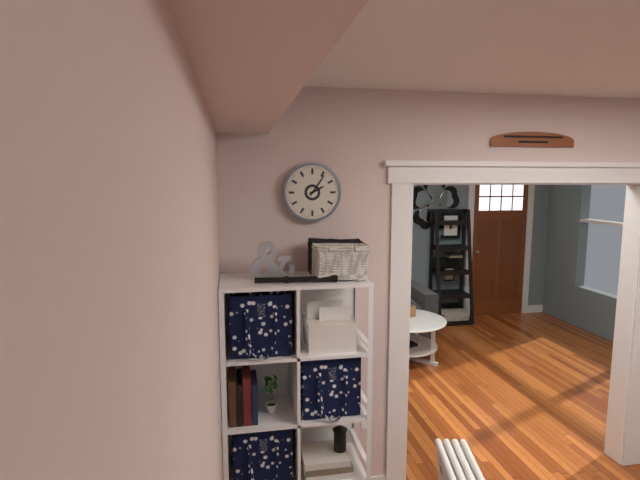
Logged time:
2h06
